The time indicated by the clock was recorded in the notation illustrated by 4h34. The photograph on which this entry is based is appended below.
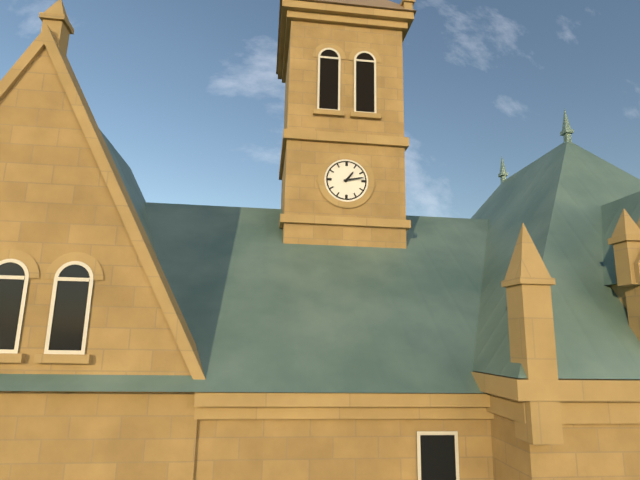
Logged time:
1h13
